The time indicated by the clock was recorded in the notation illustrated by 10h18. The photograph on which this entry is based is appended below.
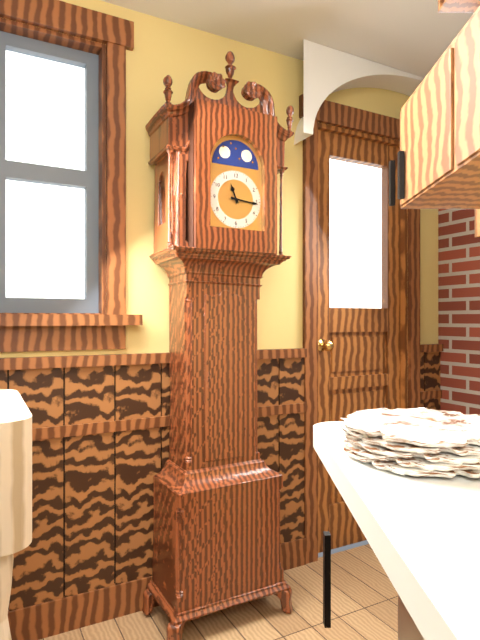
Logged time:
11h16
